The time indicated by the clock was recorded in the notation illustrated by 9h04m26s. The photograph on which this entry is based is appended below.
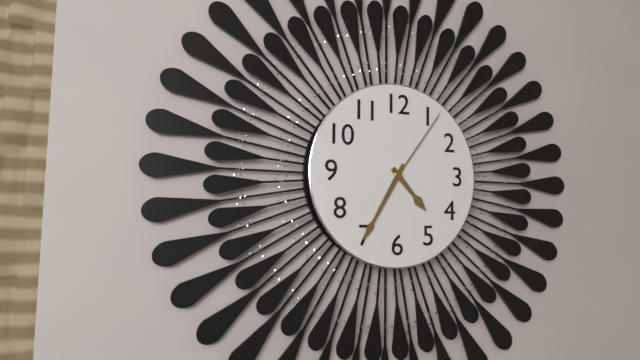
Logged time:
4h35m06s
